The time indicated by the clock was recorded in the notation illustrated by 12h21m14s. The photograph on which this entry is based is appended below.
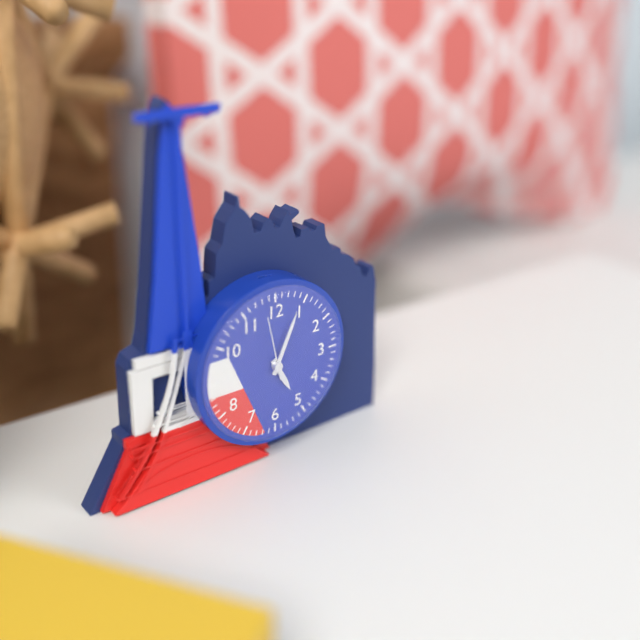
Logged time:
5h04m58s
